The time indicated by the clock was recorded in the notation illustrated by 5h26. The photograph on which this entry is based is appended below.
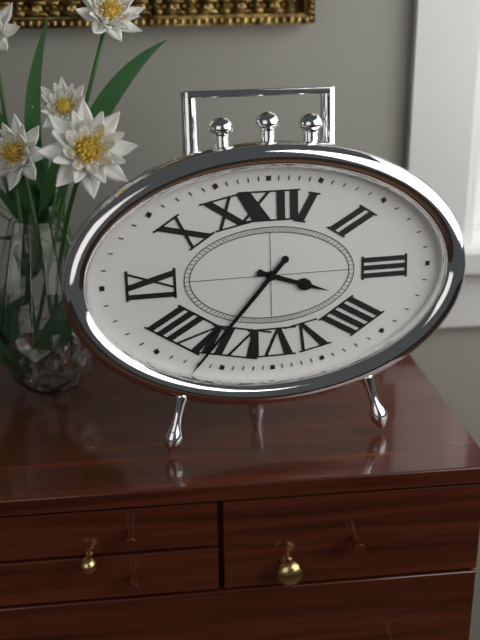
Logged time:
3h37
